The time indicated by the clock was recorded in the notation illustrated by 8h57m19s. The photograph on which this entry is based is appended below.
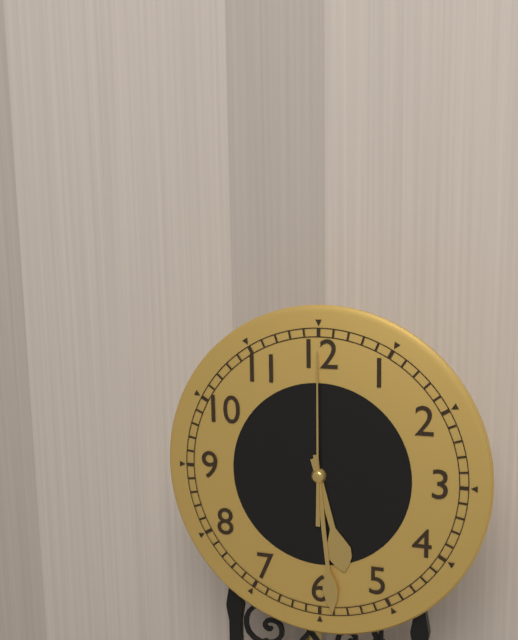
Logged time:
5h29m00s
